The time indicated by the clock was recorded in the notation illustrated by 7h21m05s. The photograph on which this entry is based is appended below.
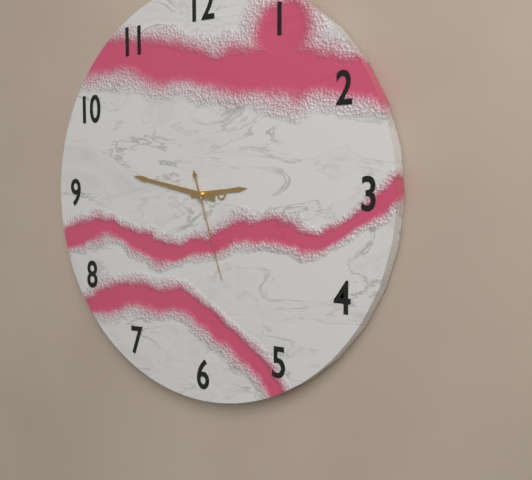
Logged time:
2h47m27s
